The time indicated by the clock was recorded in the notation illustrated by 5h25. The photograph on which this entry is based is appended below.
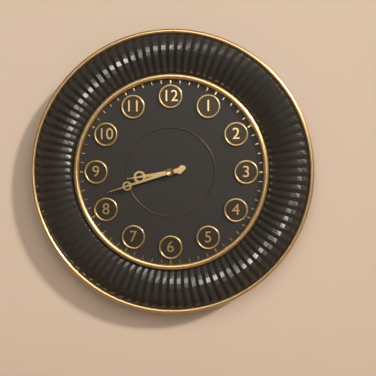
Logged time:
8h42
